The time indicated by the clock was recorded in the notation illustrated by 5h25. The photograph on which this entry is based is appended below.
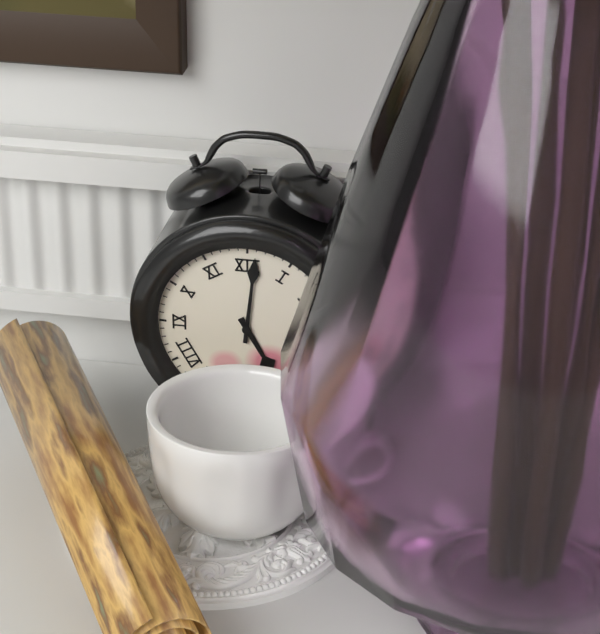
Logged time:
5h01
